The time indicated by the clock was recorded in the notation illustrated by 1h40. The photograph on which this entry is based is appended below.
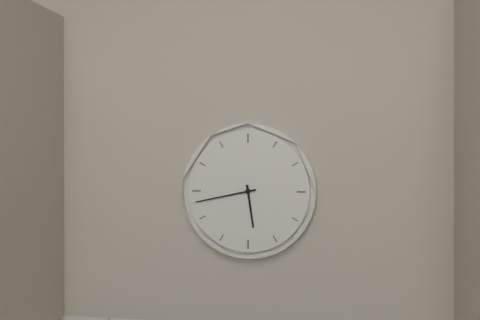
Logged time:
5h43
